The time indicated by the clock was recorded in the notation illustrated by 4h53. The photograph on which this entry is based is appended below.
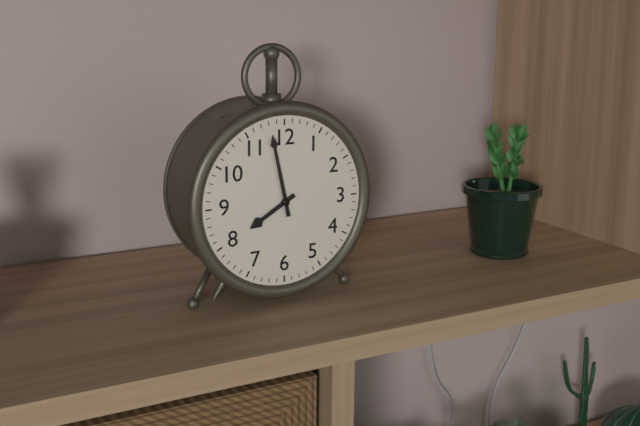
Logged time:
7h58
